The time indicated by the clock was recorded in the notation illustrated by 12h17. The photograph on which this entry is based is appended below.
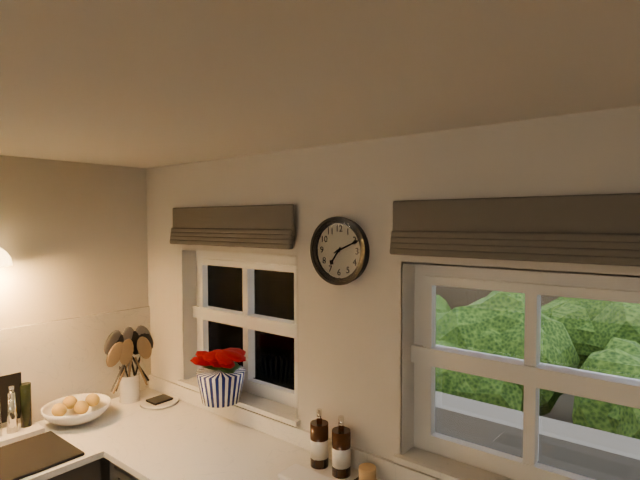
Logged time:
7h11
